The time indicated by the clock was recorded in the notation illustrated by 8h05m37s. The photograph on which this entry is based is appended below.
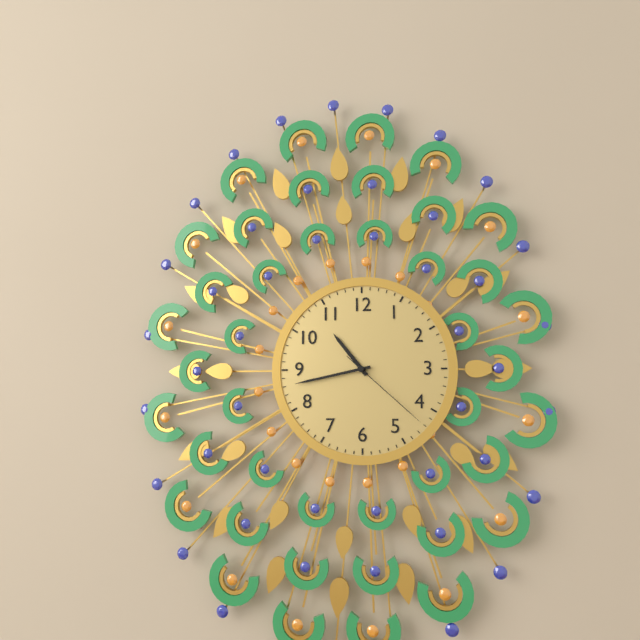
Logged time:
10h43m22s
